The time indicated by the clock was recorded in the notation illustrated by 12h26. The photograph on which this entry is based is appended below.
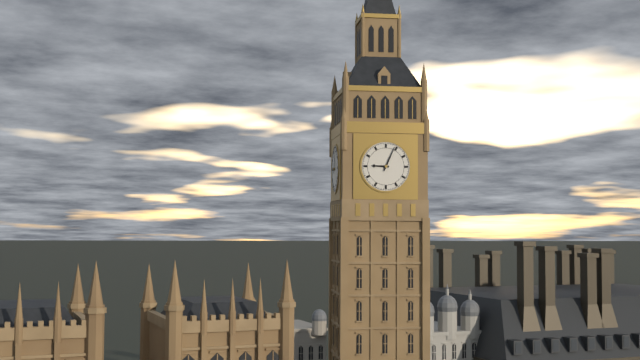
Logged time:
9h04
